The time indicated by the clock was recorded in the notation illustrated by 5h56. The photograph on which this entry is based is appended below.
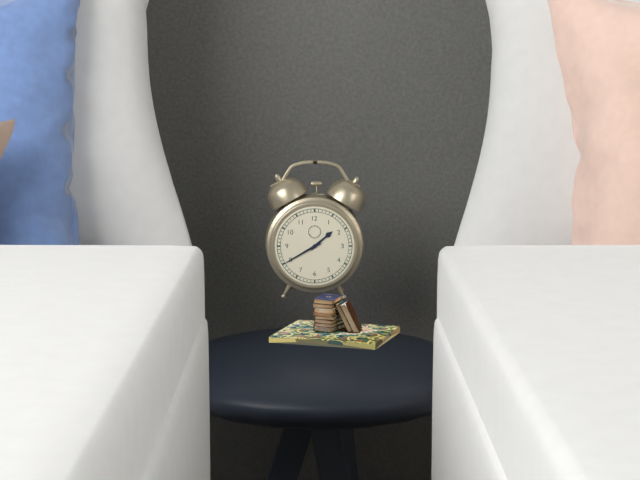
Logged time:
1h40
